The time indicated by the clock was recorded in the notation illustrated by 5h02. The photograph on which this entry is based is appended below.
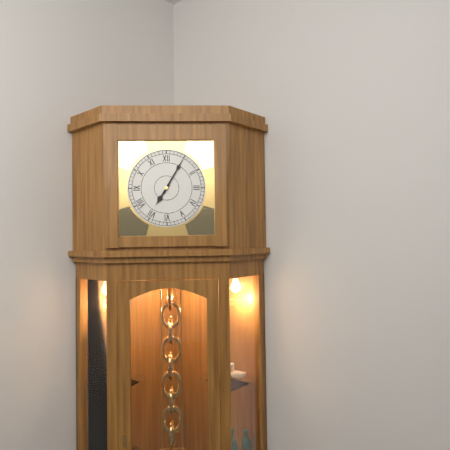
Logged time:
7h05
